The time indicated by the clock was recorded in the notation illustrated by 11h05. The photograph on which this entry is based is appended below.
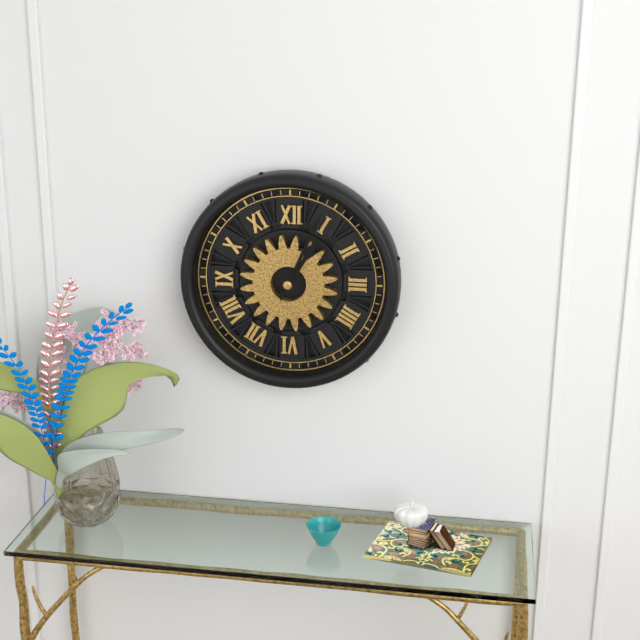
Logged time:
1h04
